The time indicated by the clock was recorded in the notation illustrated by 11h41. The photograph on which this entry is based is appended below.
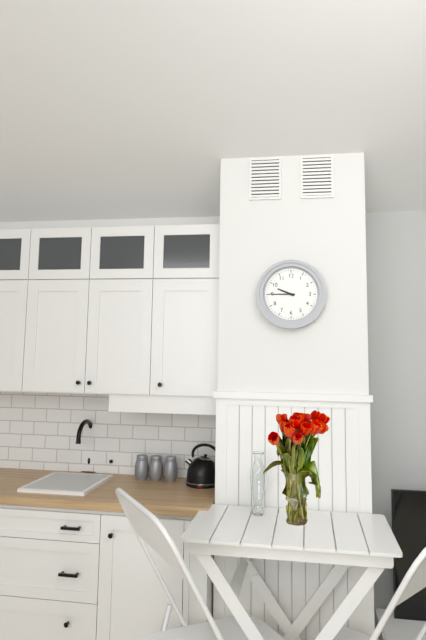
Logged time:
9h45
